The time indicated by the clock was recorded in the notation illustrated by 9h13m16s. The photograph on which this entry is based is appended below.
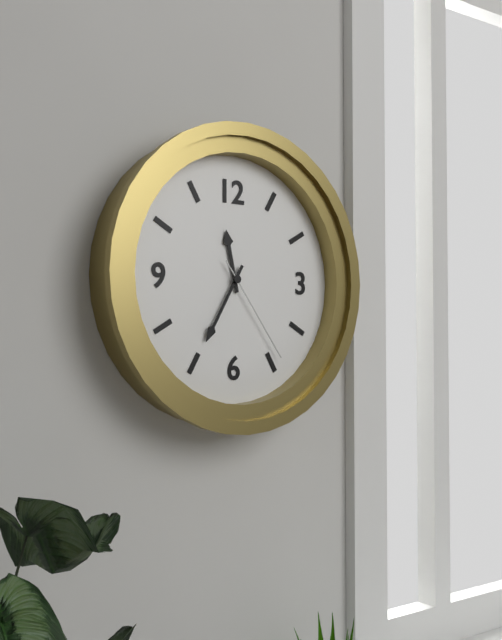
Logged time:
11h35m24s
